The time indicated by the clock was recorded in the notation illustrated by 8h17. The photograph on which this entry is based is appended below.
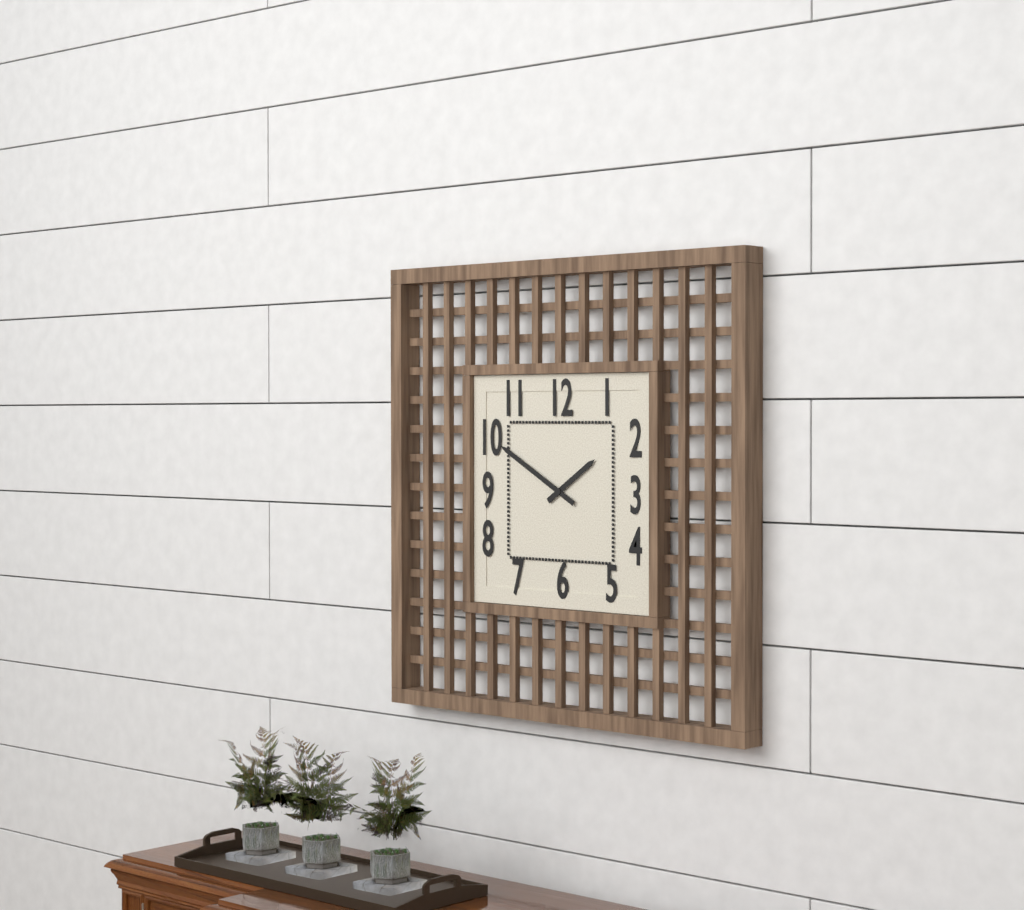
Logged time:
1h50
